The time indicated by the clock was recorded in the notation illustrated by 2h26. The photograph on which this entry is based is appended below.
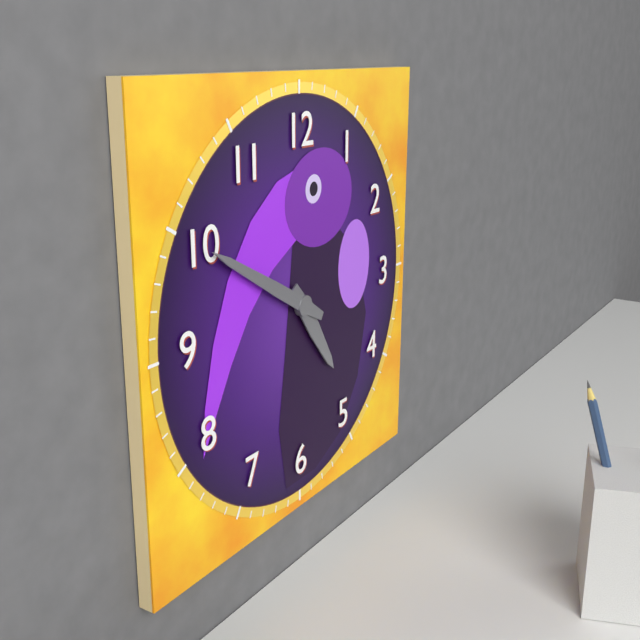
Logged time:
4h50
